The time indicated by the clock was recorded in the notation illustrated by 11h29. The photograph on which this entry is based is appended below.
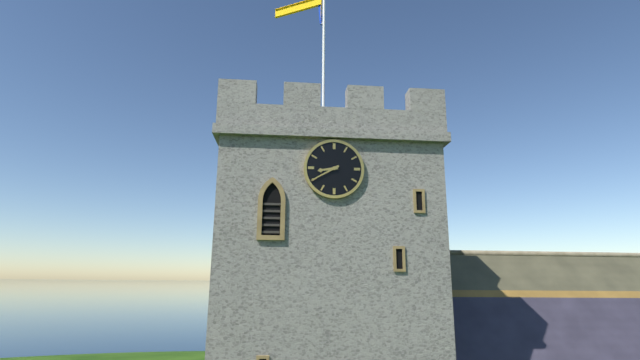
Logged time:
8h40
